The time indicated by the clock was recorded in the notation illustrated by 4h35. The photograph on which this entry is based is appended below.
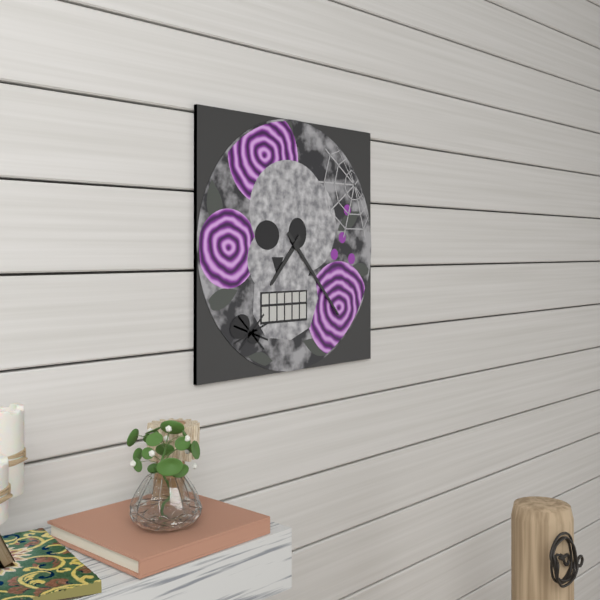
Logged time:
7h23
